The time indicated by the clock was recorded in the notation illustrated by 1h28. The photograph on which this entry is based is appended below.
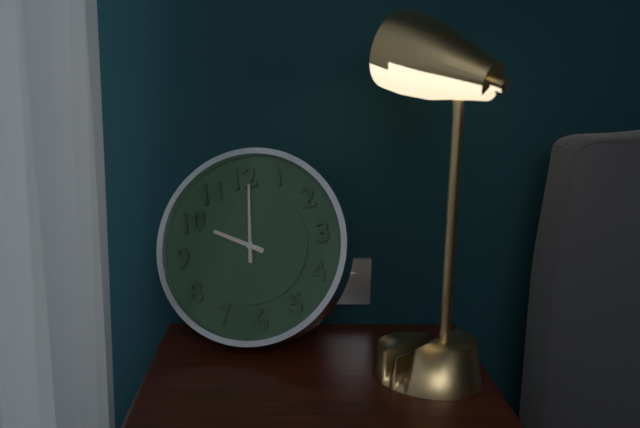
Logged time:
10h01
